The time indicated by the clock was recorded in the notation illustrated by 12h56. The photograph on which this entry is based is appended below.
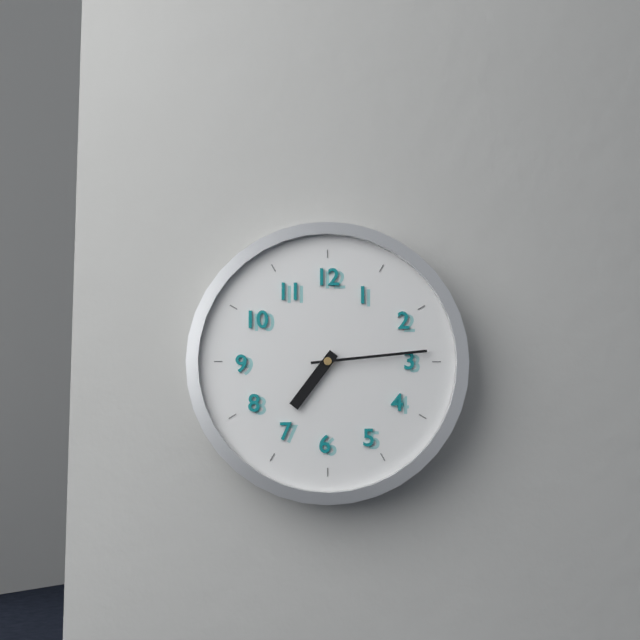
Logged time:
7h14
